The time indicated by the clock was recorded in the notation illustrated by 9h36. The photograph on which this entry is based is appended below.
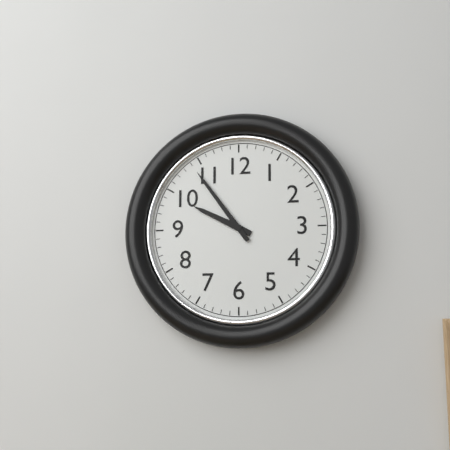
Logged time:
9h54
